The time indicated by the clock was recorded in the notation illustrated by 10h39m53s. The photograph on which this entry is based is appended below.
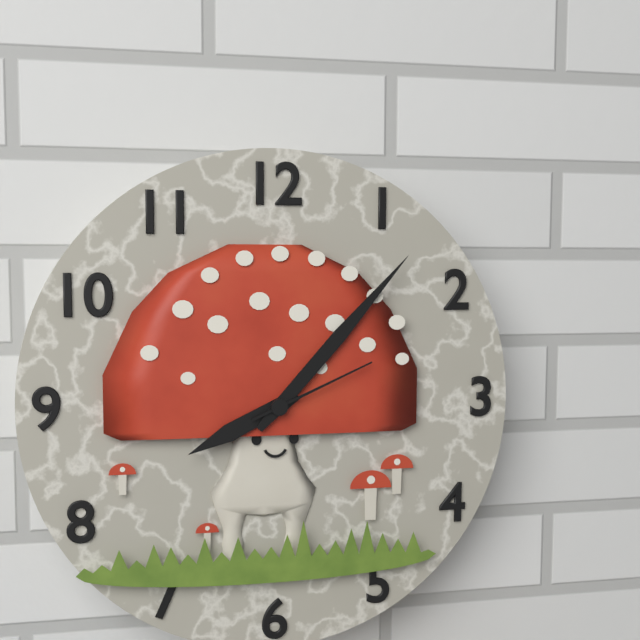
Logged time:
8h07m11s
